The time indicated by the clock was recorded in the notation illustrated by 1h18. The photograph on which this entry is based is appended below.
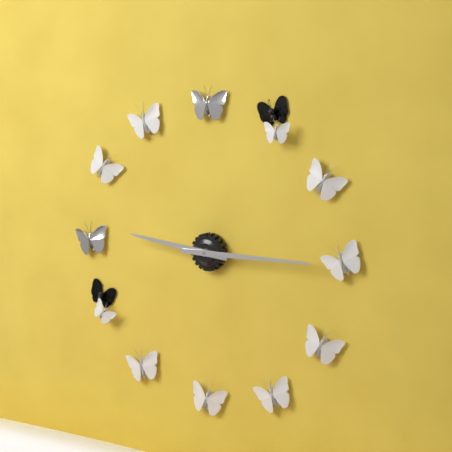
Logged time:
9h15
